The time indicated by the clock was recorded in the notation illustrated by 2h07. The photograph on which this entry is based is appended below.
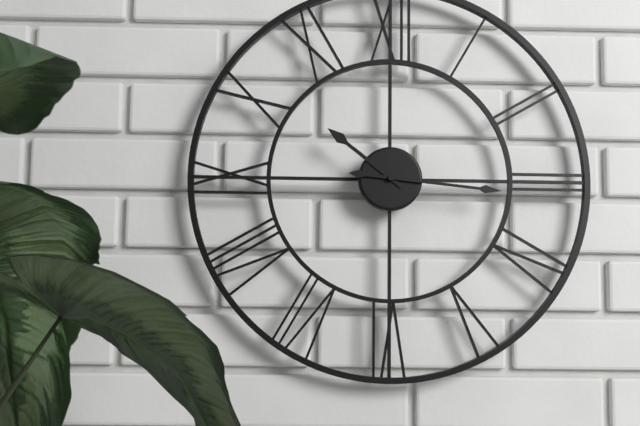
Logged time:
10h16
